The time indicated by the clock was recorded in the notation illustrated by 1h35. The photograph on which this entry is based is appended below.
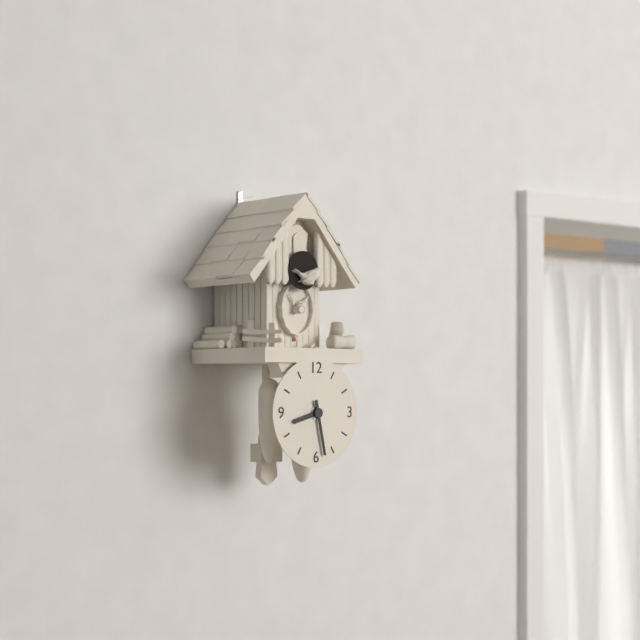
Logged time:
8h28
